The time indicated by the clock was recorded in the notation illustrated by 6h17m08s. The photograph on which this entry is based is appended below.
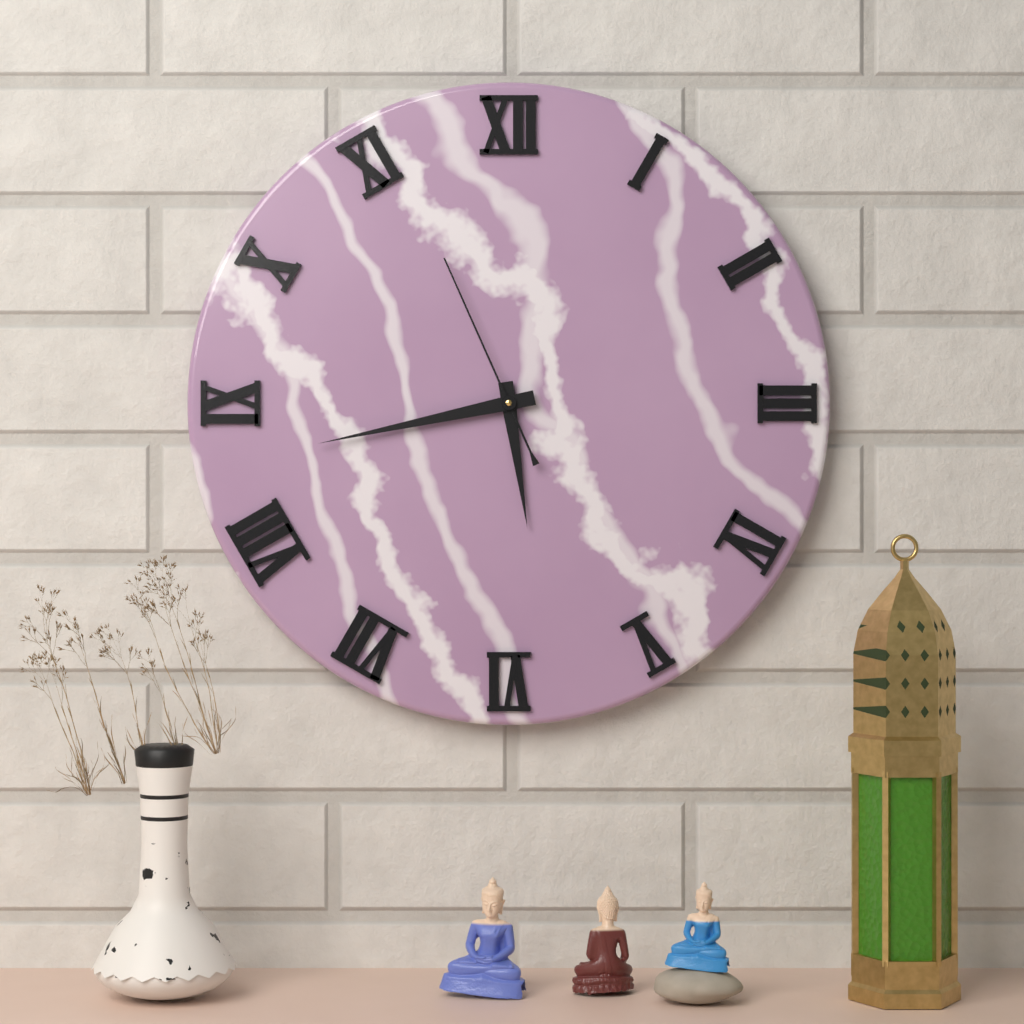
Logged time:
5h43m56s
